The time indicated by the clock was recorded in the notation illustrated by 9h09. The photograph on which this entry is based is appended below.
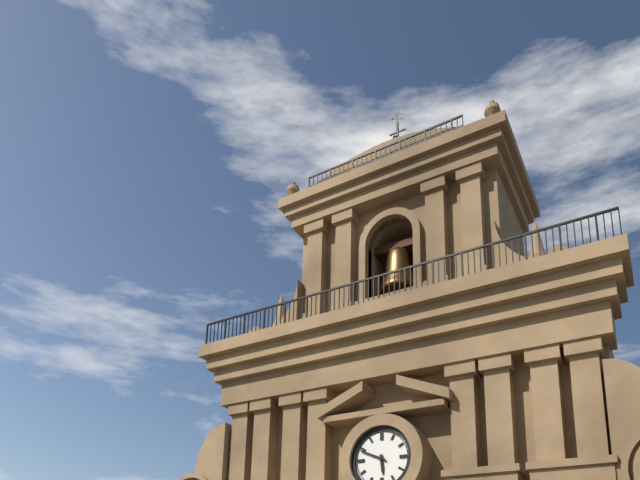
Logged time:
5h49
